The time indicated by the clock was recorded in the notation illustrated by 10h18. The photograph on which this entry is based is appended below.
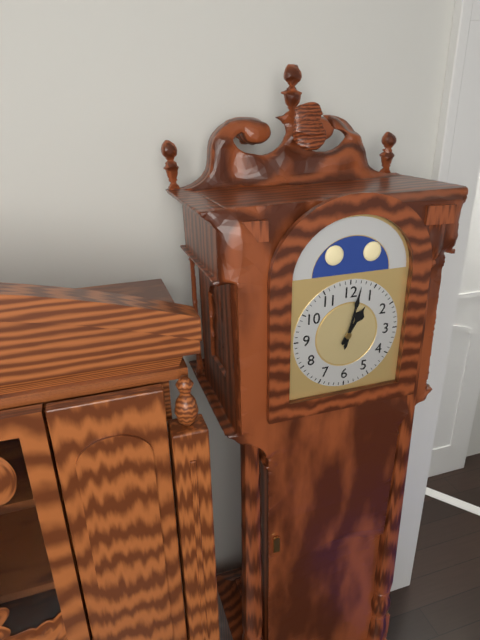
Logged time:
1h02
